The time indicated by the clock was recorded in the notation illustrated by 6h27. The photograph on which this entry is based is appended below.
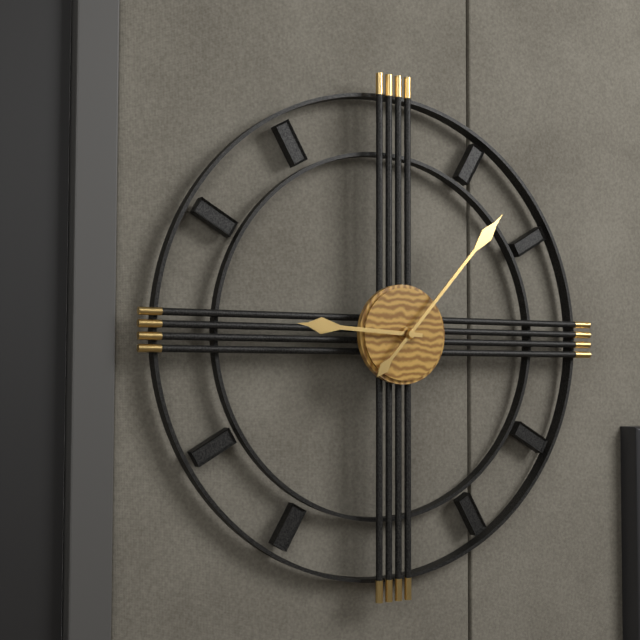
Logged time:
9h07
